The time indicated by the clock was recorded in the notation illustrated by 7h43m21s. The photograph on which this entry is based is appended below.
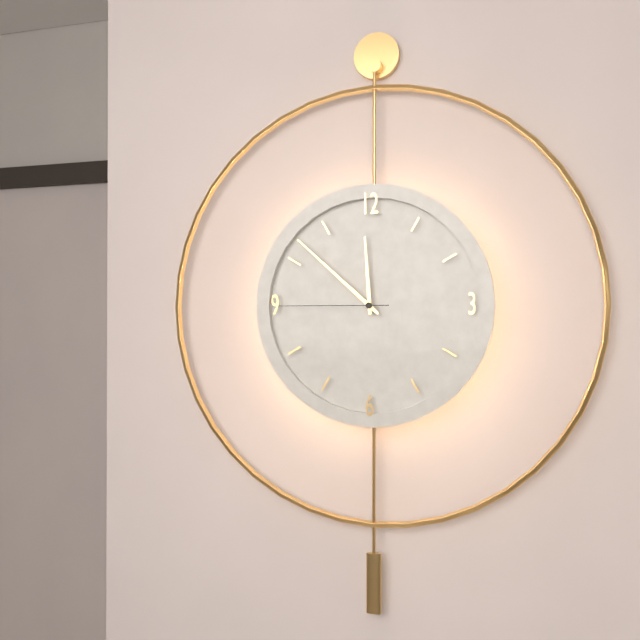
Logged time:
11h52m45s
